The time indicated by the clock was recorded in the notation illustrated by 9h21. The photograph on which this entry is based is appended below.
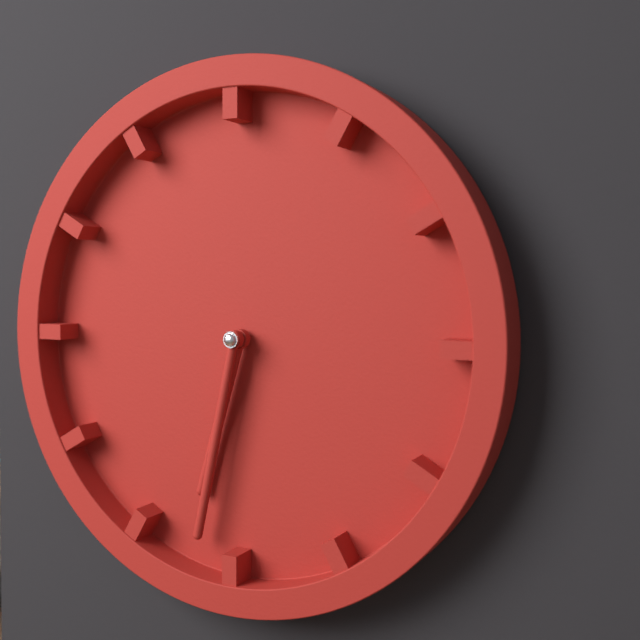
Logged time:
6h32
